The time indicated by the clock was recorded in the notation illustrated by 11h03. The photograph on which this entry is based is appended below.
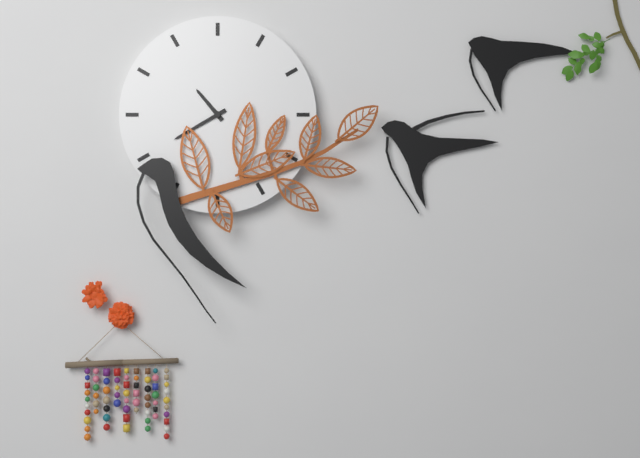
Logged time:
10h40
